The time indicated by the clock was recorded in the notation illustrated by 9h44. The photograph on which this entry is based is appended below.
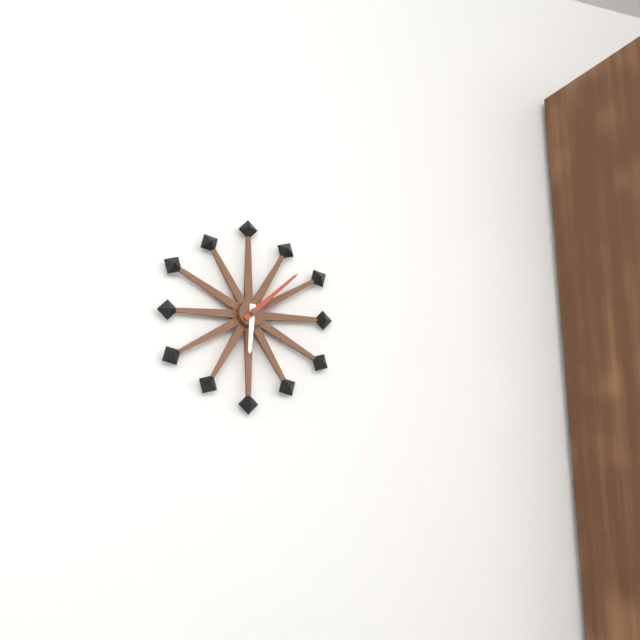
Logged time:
6h08
